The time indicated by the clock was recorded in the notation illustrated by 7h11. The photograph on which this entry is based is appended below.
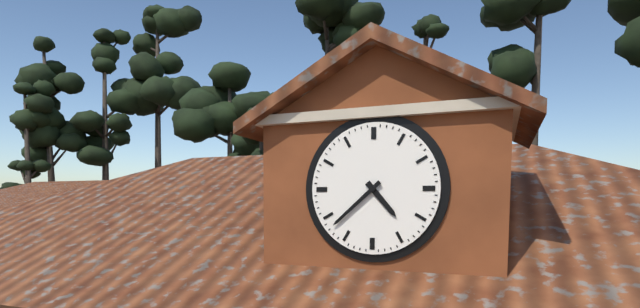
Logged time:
4h38
